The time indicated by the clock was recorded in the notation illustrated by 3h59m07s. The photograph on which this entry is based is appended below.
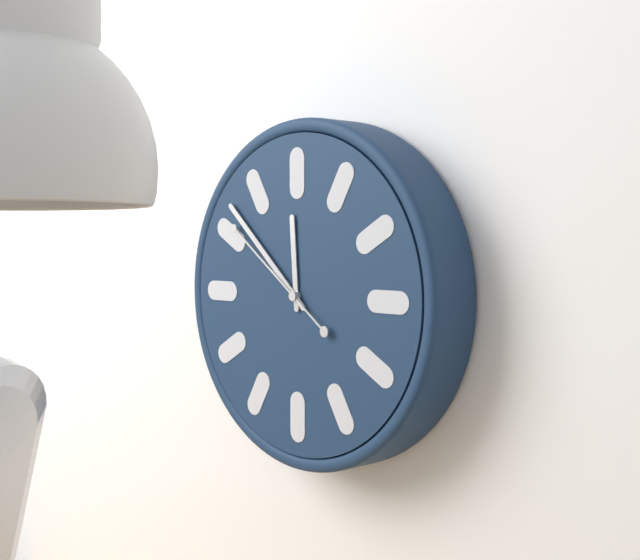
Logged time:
11h52m51s
